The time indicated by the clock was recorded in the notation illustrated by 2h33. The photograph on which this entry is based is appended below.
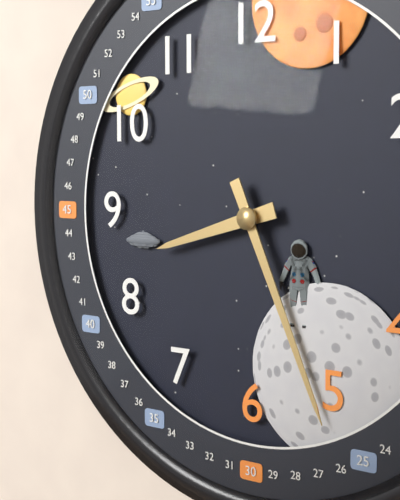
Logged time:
8h26
